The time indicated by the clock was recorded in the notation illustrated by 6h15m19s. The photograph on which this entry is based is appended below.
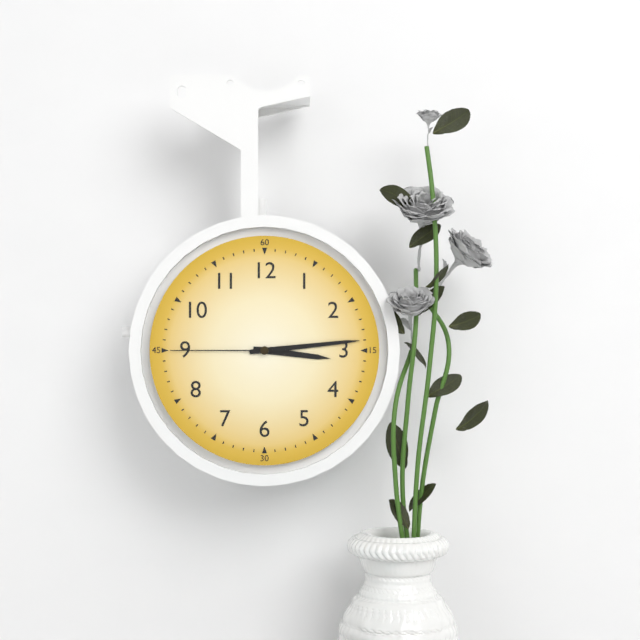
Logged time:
3h14m45s
